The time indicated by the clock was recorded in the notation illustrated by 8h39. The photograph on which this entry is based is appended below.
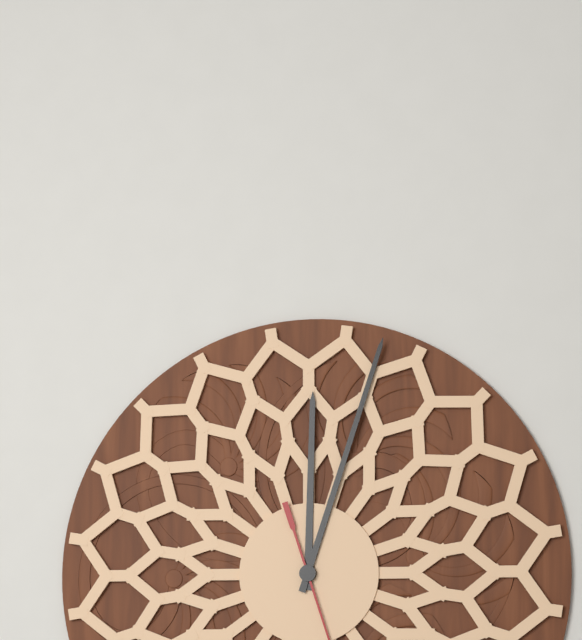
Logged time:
12h03
